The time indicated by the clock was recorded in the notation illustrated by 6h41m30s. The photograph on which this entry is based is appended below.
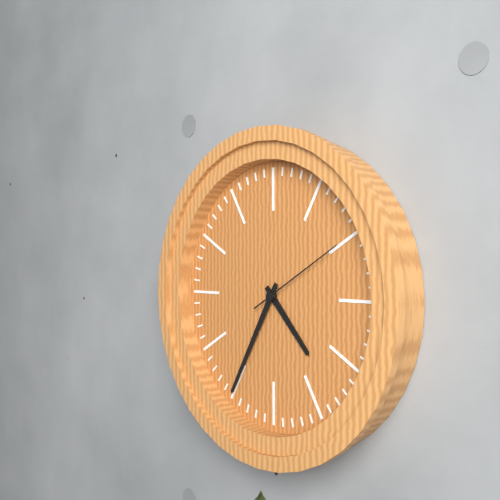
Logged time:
4h35m10s
